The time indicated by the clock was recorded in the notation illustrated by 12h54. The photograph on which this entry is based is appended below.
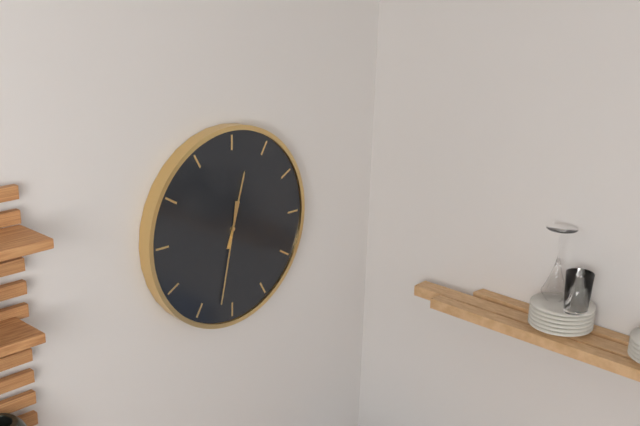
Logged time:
12h32
